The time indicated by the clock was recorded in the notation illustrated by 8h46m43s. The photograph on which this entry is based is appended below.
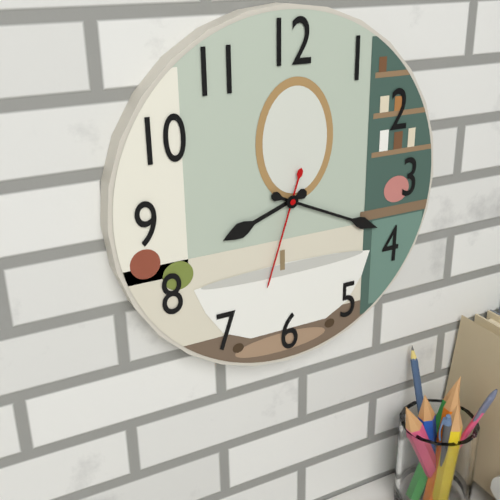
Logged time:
8h19m33s
